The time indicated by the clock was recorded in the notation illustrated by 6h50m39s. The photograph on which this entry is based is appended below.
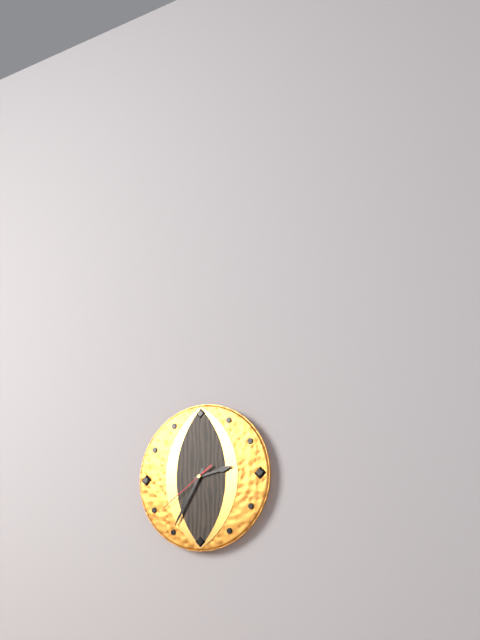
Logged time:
2h35m39s
